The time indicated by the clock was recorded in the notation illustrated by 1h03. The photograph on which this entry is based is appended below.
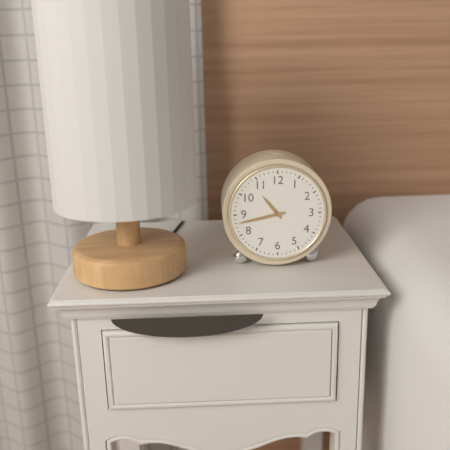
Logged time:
10h43
